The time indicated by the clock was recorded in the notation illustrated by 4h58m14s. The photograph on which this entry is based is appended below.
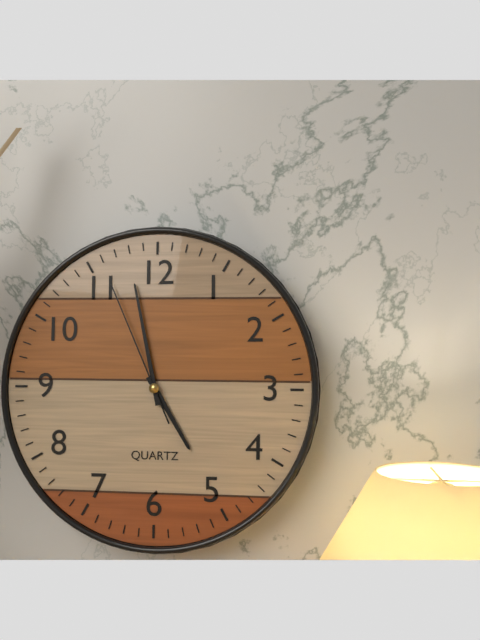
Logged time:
4h58m56s
